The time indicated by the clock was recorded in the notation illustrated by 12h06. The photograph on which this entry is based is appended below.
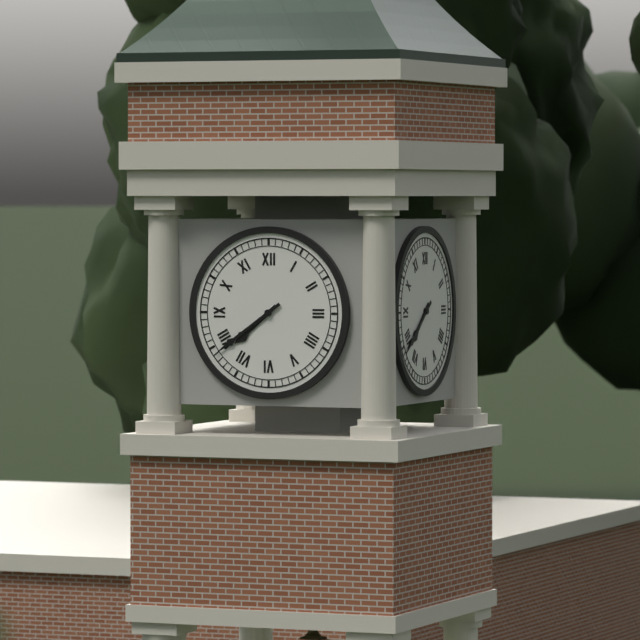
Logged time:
7h39
